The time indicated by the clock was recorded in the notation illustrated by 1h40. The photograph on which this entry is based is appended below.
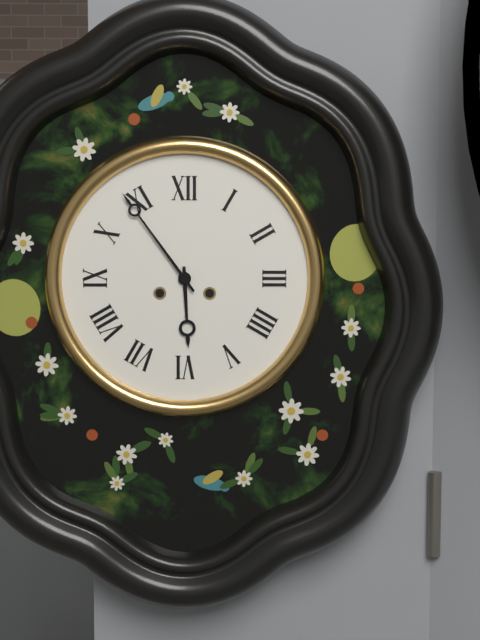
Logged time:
5h54
